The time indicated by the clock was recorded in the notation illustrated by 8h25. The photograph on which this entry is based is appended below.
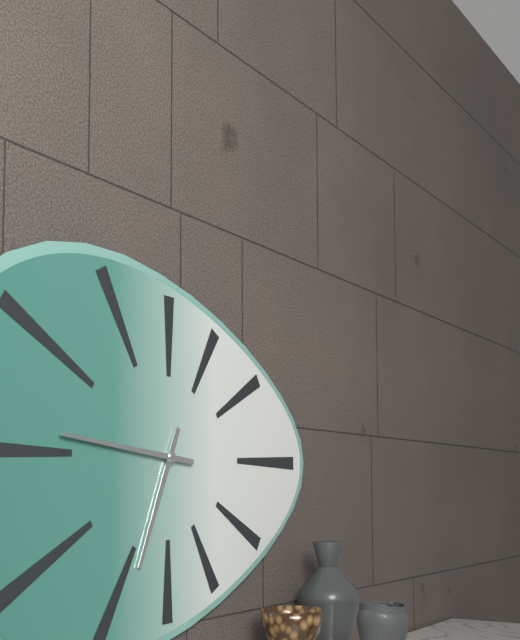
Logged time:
6h46
